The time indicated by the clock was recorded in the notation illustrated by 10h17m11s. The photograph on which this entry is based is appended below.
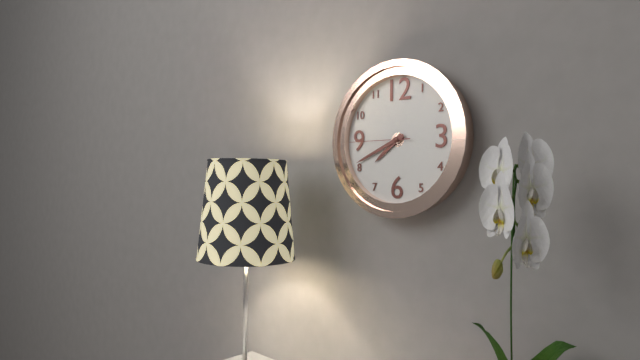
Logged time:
7h41m45s
